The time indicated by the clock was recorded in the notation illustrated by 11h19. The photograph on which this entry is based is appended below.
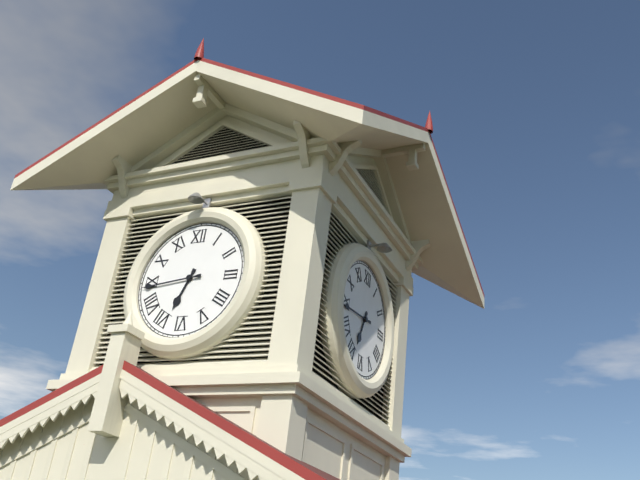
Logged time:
6h44
